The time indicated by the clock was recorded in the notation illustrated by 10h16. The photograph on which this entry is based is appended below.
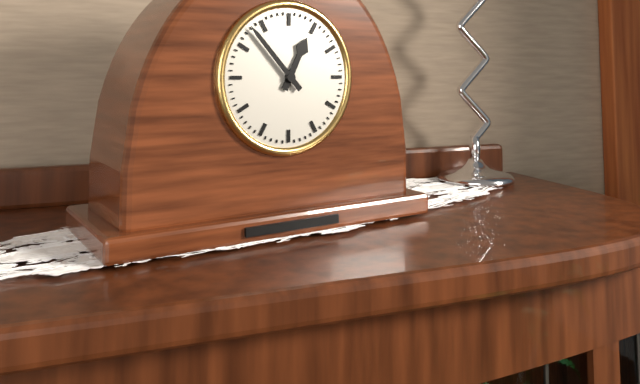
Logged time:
12h53
